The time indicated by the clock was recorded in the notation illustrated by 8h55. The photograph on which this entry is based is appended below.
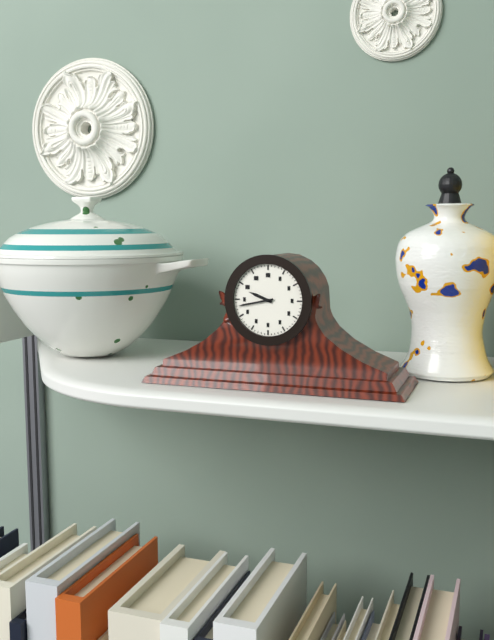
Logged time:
9h43
